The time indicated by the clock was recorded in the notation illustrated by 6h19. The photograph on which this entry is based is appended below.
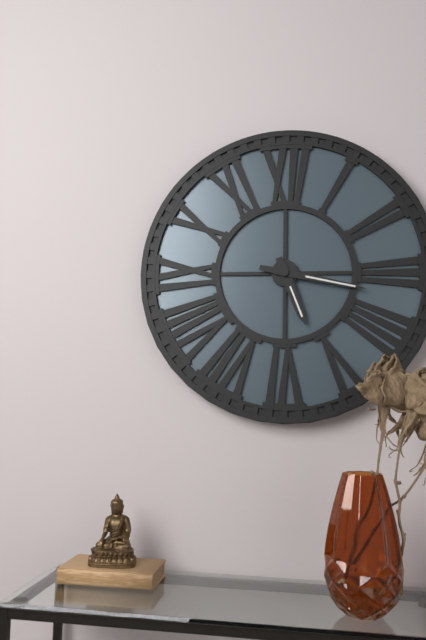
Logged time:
5h17
